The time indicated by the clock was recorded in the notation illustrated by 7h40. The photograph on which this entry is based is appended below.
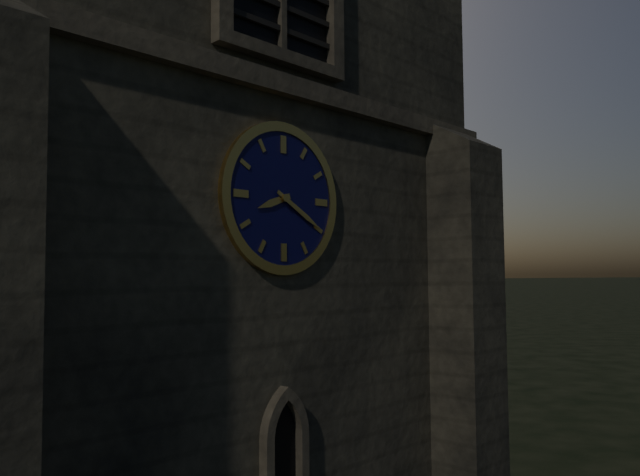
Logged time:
8h20
